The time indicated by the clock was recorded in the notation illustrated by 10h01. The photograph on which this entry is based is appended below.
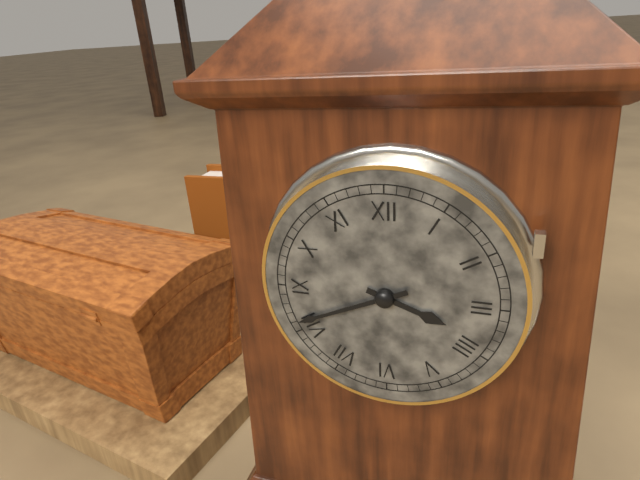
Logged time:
3h41
